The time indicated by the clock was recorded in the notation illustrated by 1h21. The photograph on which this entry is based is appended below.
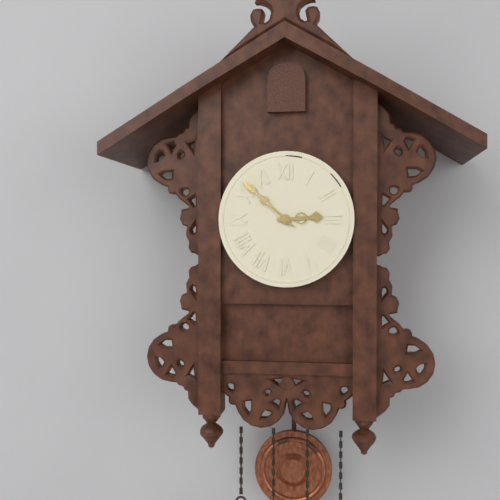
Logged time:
2h52
